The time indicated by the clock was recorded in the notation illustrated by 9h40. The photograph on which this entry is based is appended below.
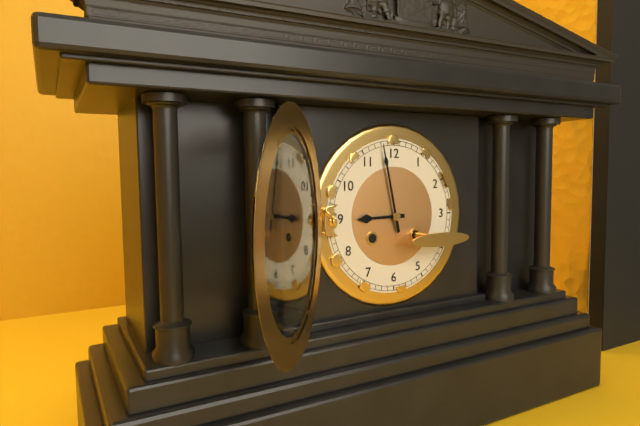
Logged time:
8h58
